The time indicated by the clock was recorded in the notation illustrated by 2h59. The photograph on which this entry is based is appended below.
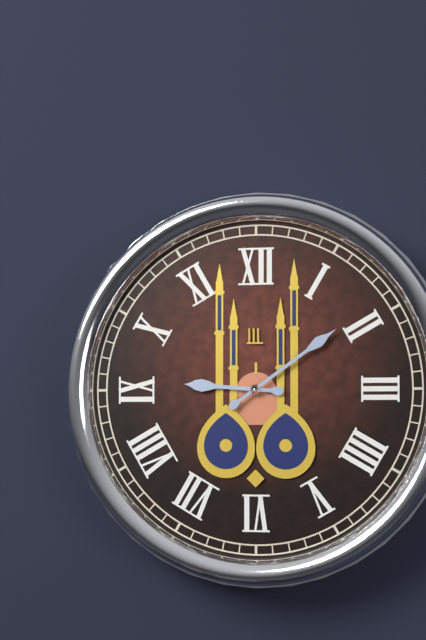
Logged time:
9h09
